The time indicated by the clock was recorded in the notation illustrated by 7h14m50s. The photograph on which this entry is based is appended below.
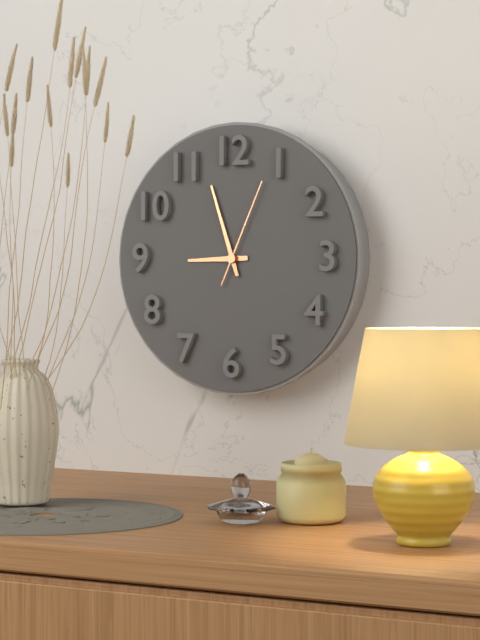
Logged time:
8h57m04s
